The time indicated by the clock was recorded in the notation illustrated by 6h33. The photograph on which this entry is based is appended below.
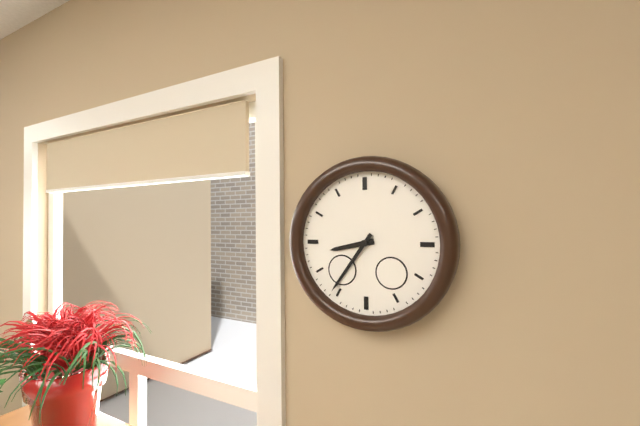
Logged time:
8h36
